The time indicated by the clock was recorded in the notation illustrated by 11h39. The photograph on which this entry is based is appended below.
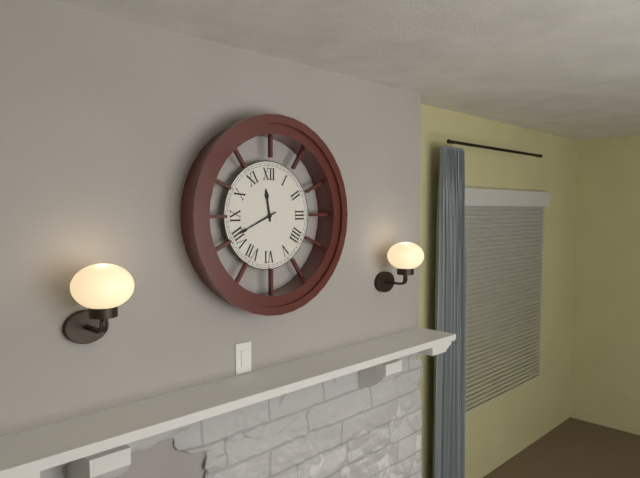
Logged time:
11h41
